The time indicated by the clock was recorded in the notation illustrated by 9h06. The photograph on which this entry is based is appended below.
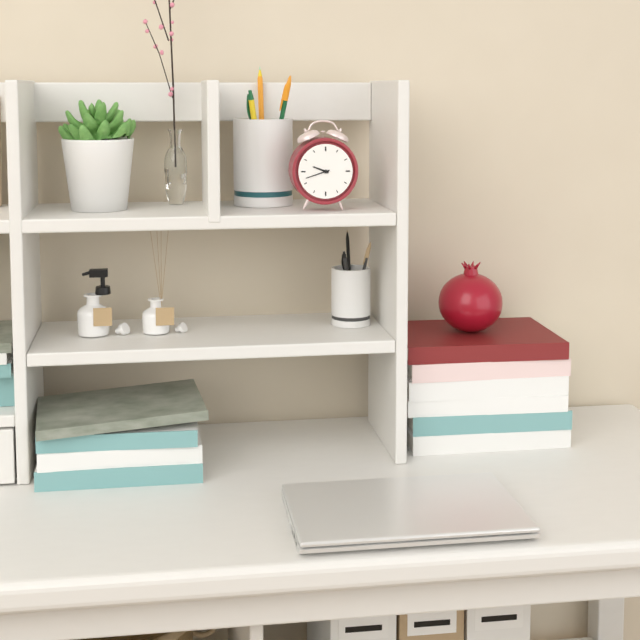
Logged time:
9h42
